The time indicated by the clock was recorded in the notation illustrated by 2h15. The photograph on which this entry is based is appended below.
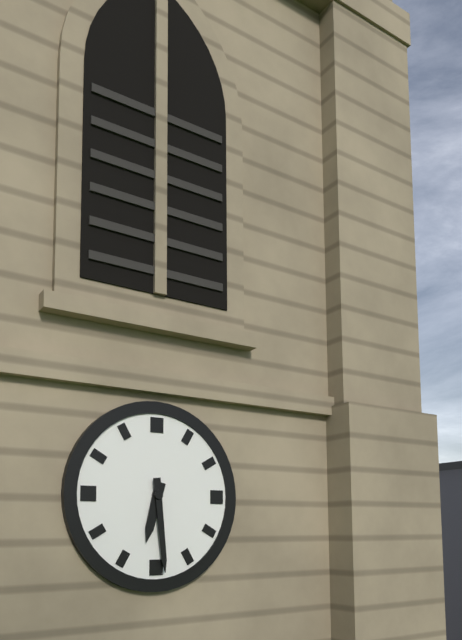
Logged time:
6h29
